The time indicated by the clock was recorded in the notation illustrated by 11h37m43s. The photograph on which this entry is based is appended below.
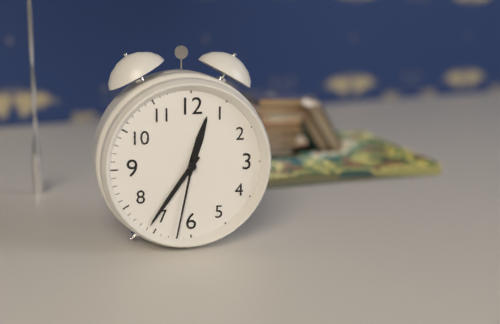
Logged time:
12h36m32s
